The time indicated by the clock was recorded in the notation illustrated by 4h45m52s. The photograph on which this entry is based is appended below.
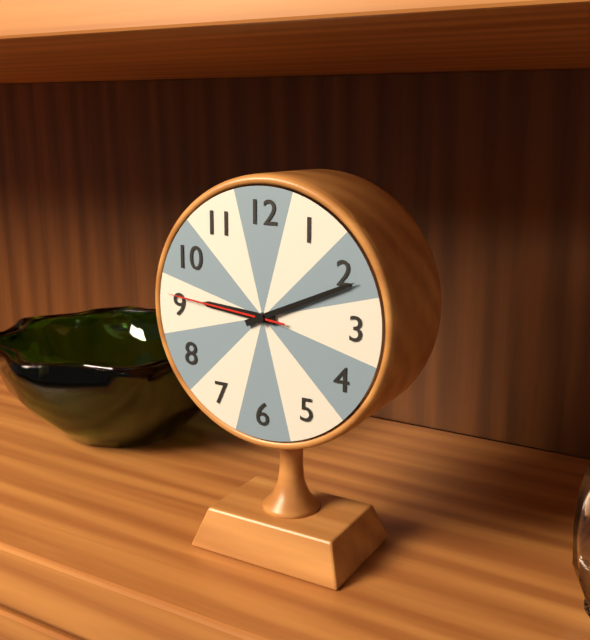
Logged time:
9h11m46s
